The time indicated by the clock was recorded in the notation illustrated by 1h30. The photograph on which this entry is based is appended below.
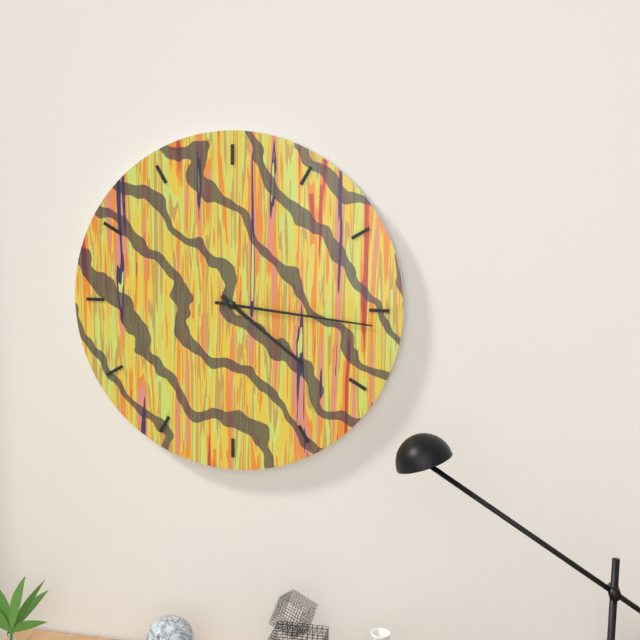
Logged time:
4h16
